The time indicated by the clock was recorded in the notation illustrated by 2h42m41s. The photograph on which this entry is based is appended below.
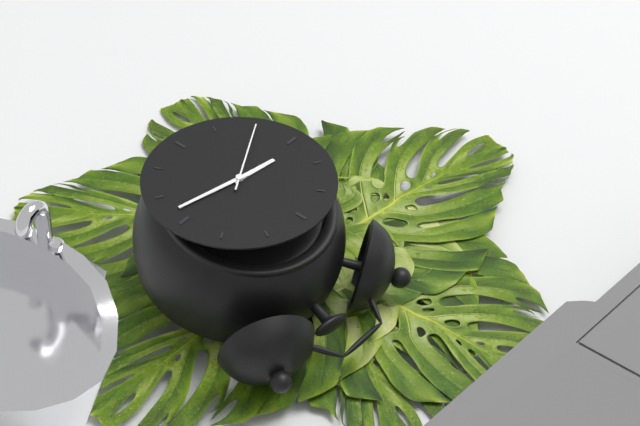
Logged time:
9h17m40s
